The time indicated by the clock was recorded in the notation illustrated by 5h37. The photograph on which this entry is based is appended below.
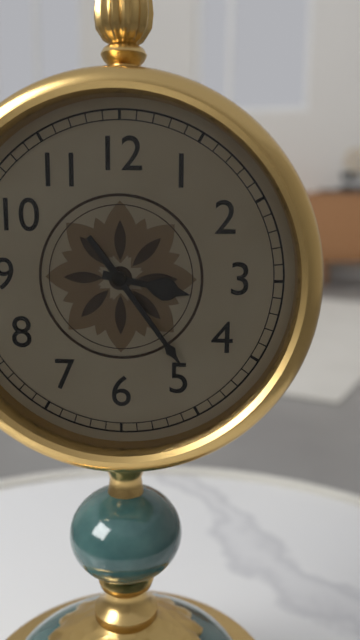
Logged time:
3h24
